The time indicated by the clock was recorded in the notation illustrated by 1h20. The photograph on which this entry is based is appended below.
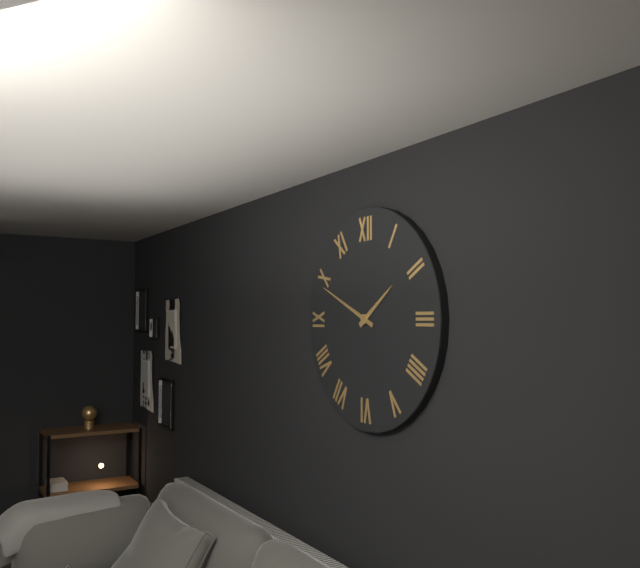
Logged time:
1h49
